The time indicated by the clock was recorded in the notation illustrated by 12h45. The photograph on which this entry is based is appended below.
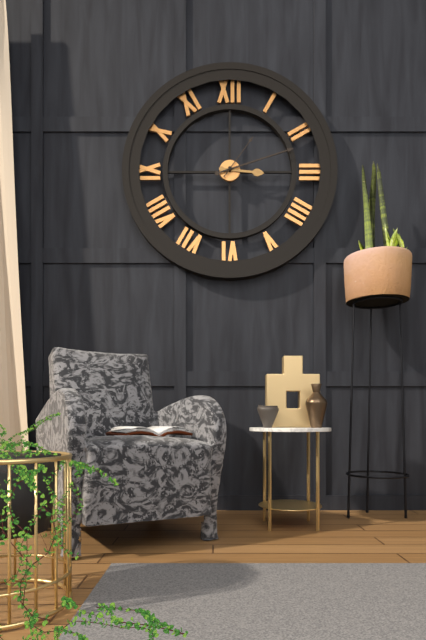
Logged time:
3h12
